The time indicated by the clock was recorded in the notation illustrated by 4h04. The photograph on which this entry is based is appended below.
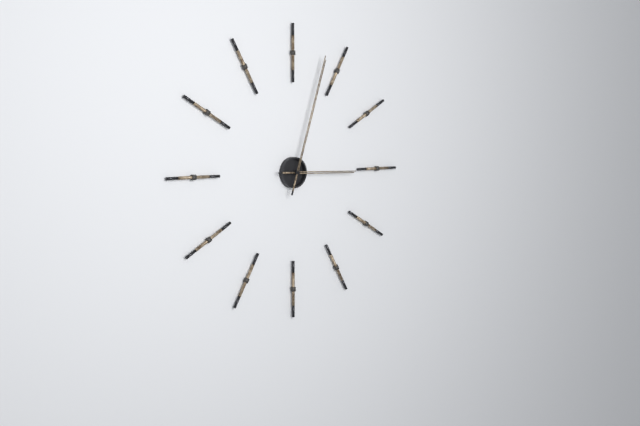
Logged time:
3h03
